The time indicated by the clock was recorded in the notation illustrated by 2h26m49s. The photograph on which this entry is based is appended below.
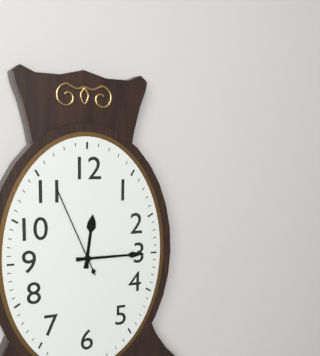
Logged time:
12h15m56s
